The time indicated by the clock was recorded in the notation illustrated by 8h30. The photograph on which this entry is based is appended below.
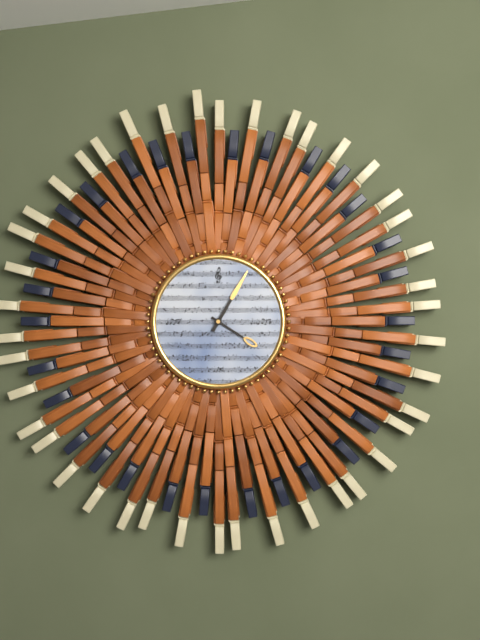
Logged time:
4h05
